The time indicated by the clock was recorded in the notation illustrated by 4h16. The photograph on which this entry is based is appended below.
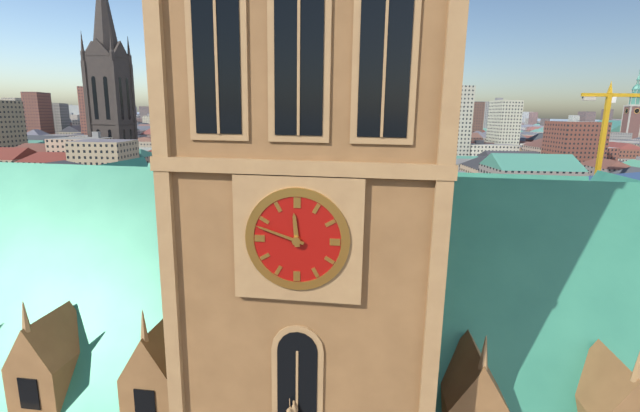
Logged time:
11h48
